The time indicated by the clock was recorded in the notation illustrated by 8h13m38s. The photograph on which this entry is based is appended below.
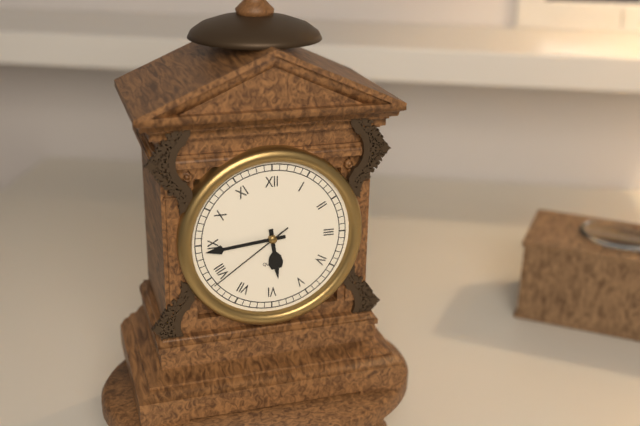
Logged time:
5h44m39s
